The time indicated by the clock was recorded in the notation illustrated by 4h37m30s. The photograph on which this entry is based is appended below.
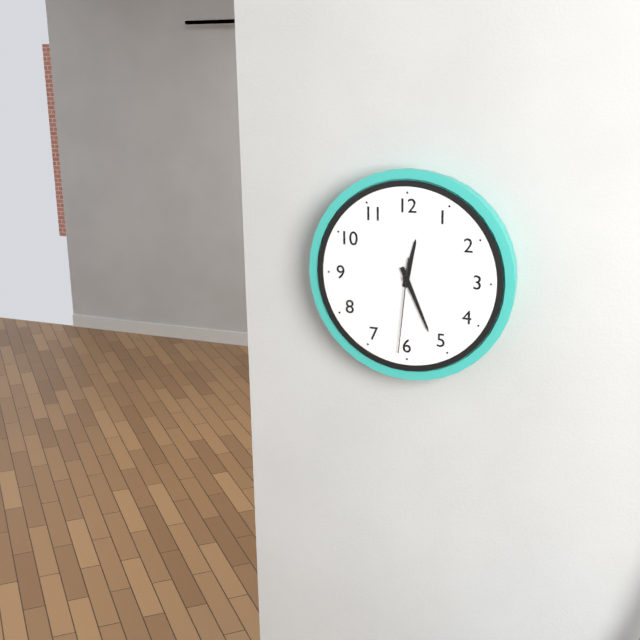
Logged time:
12h26m31s
